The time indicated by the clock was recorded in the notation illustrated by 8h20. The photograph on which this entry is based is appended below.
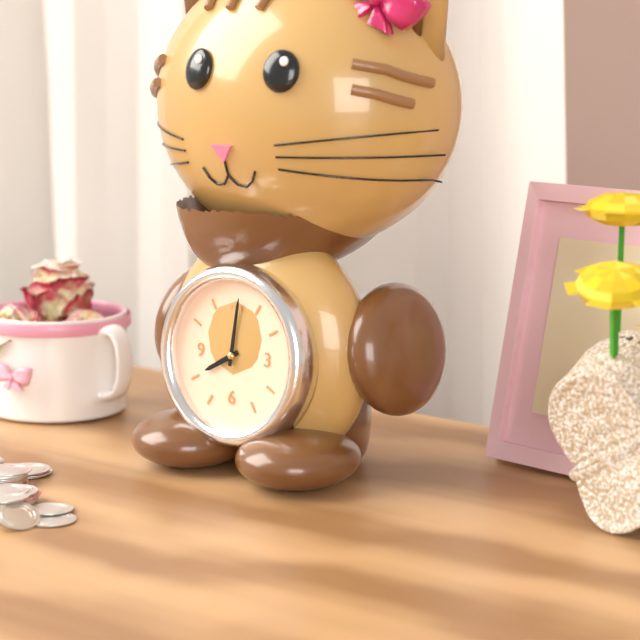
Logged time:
8h01
